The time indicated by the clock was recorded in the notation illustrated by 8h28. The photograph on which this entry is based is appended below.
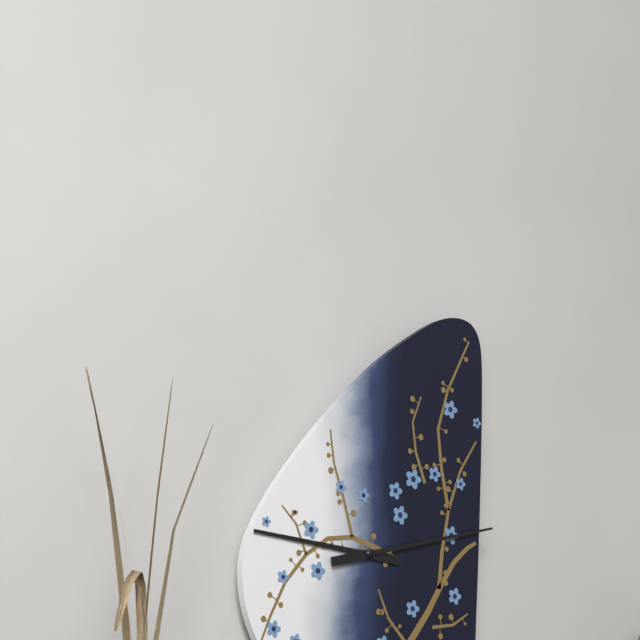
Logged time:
9h13
